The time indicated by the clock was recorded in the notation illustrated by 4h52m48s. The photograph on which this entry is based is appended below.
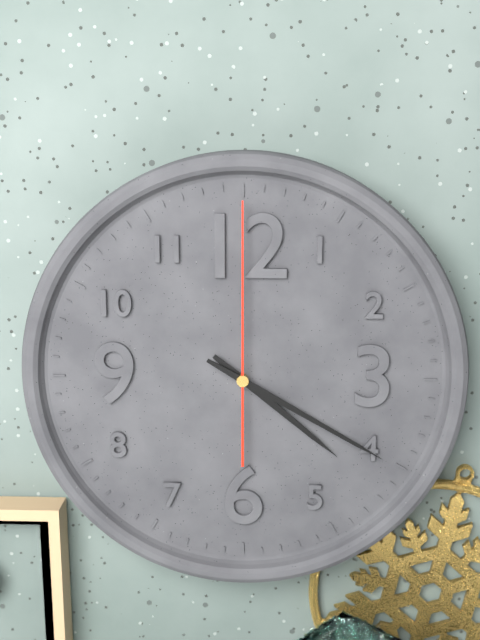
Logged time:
4h20m00s
